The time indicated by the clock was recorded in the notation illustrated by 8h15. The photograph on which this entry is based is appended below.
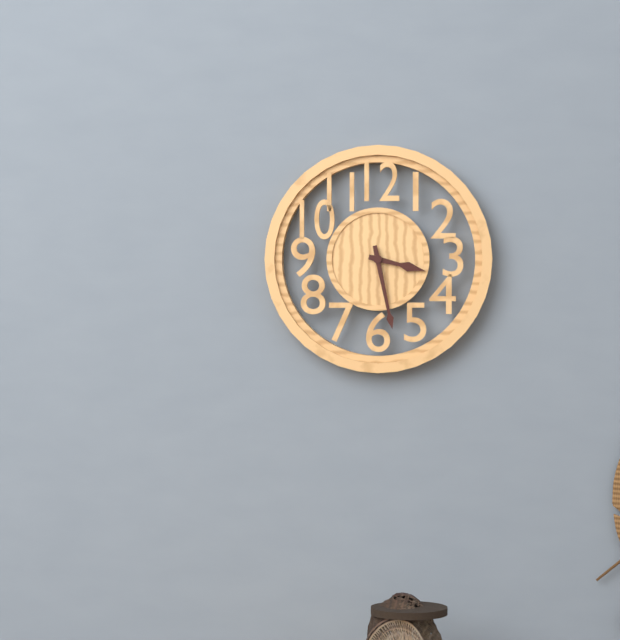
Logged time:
3h28
